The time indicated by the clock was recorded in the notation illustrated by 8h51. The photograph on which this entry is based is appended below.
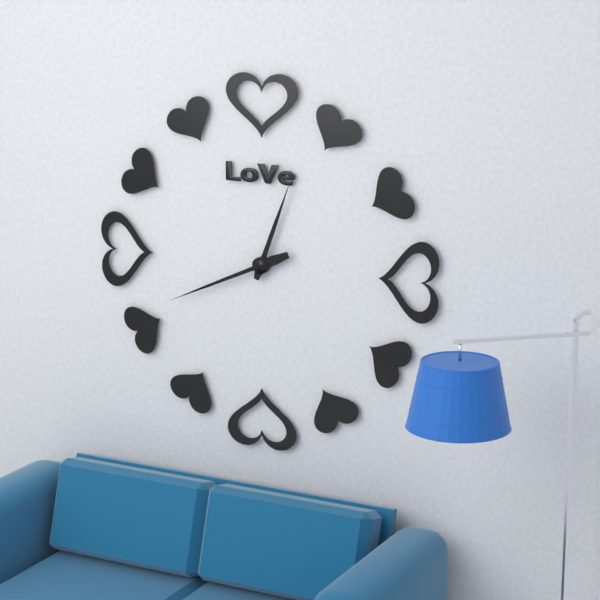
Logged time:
12h41
